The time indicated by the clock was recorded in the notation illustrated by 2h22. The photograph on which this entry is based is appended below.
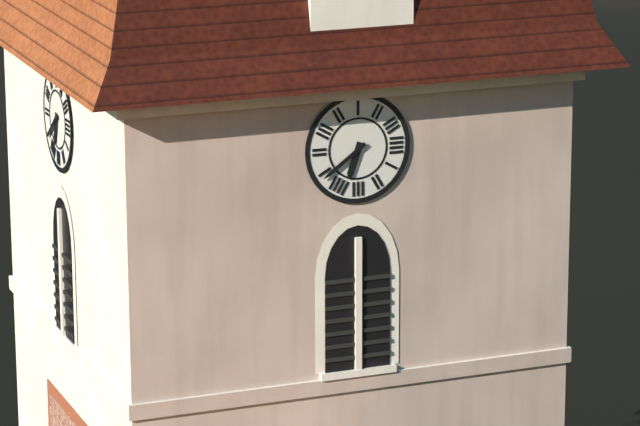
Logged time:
6h39
